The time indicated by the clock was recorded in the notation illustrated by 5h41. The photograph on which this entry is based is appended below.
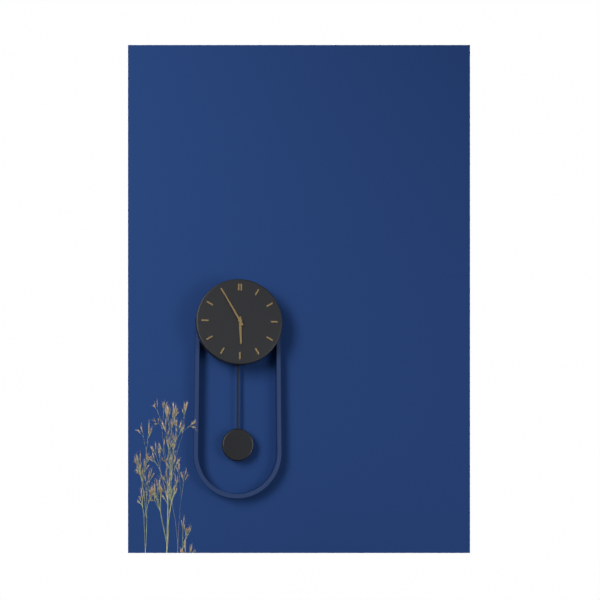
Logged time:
5h55
